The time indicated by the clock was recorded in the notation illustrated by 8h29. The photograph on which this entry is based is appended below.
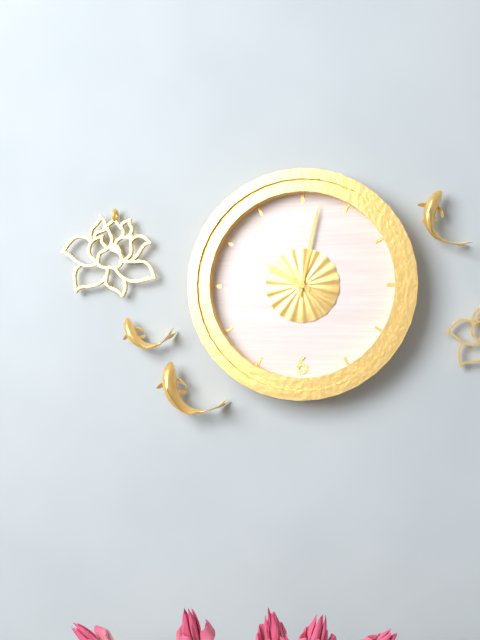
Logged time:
10h02
